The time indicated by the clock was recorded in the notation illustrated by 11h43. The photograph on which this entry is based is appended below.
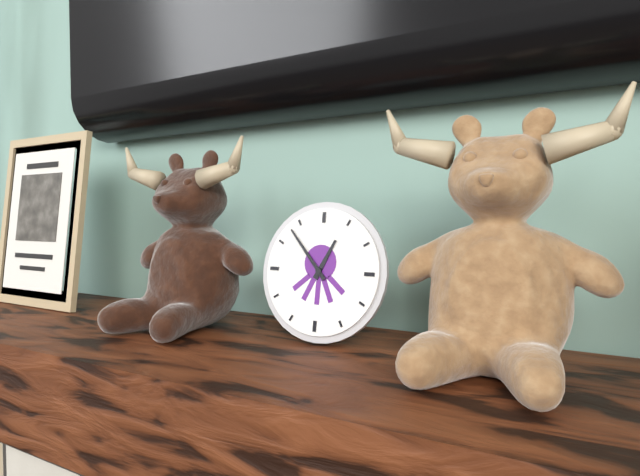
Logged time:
12h53
